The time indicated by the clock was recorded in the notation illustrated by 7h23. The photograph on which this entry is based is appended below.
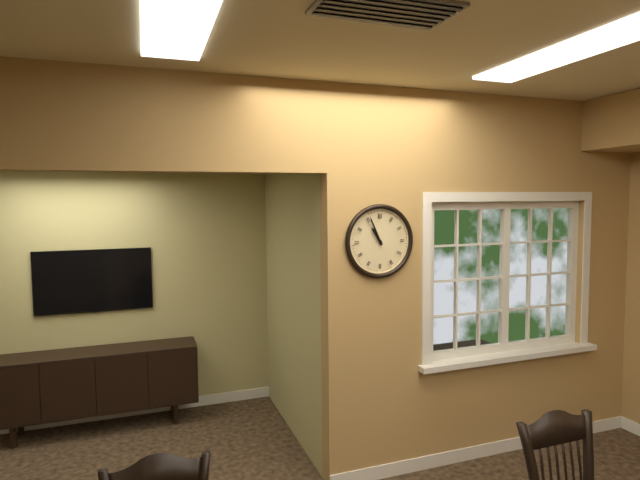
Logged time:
10h56
